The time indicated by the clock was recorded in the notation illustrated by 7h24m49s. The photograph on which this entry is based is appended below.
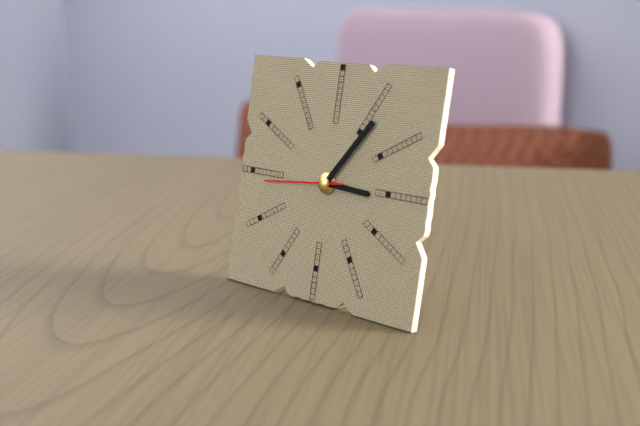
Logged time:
3h06m44s
